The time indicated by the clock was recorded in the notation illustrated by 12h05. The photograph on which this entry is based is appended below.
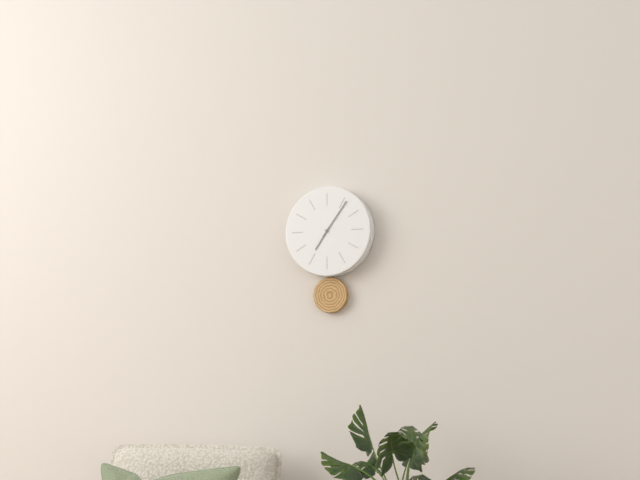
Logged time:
7h06
